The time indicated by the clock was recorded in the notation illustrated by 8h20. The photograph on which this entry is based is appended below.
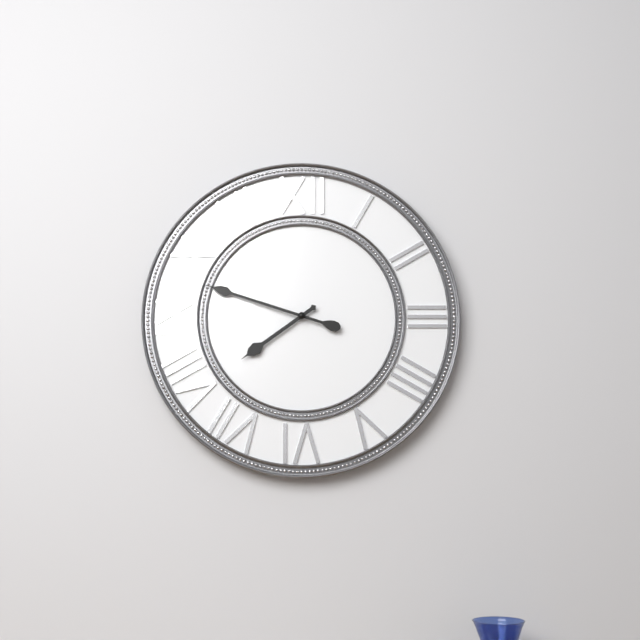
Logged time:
7h48
